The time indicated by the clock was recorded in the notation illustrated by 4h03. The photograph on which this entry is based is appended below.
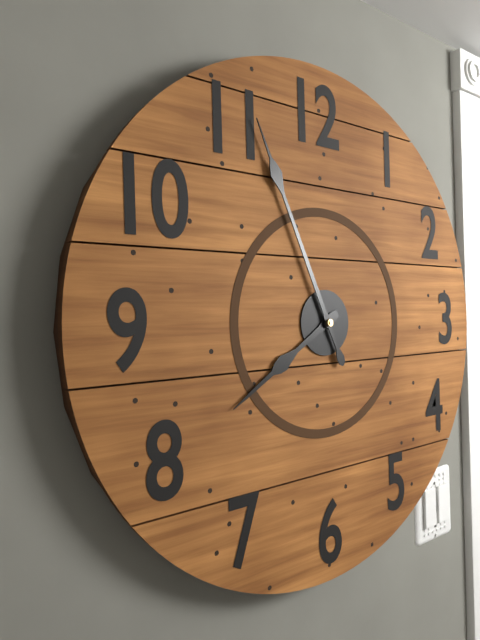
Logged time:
7h56
